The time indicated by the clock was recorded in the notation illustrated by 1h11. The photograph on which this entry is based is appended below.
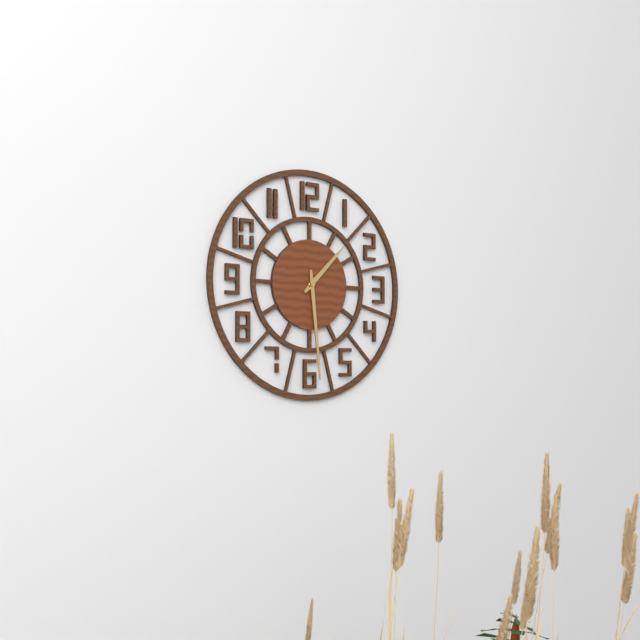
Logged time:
1h29
